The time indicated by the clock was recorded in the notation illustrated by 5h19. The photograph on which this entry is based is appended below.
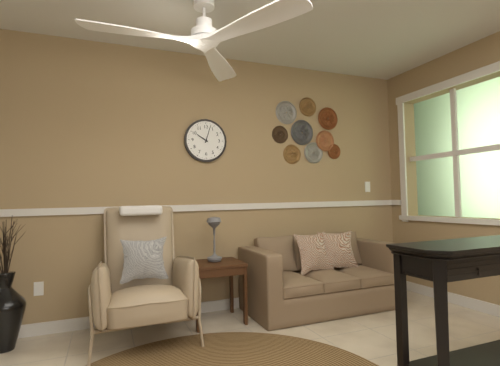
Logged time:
10h03
